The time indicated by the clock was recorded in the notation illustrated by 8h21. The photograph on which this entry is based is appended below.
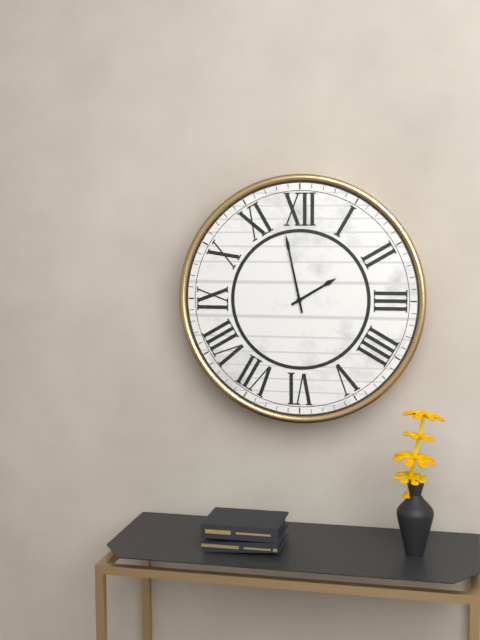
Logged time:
1h58
